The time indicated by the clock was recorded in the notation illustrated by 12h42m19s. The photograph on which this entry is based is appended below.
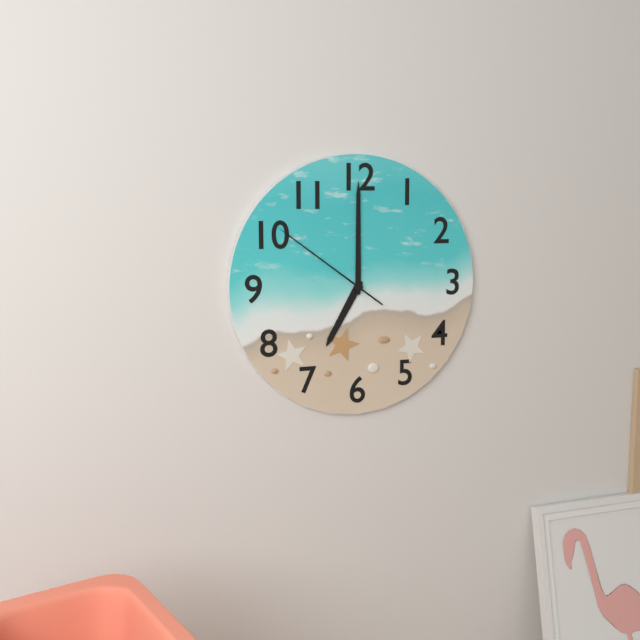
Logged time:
7h00m51s
